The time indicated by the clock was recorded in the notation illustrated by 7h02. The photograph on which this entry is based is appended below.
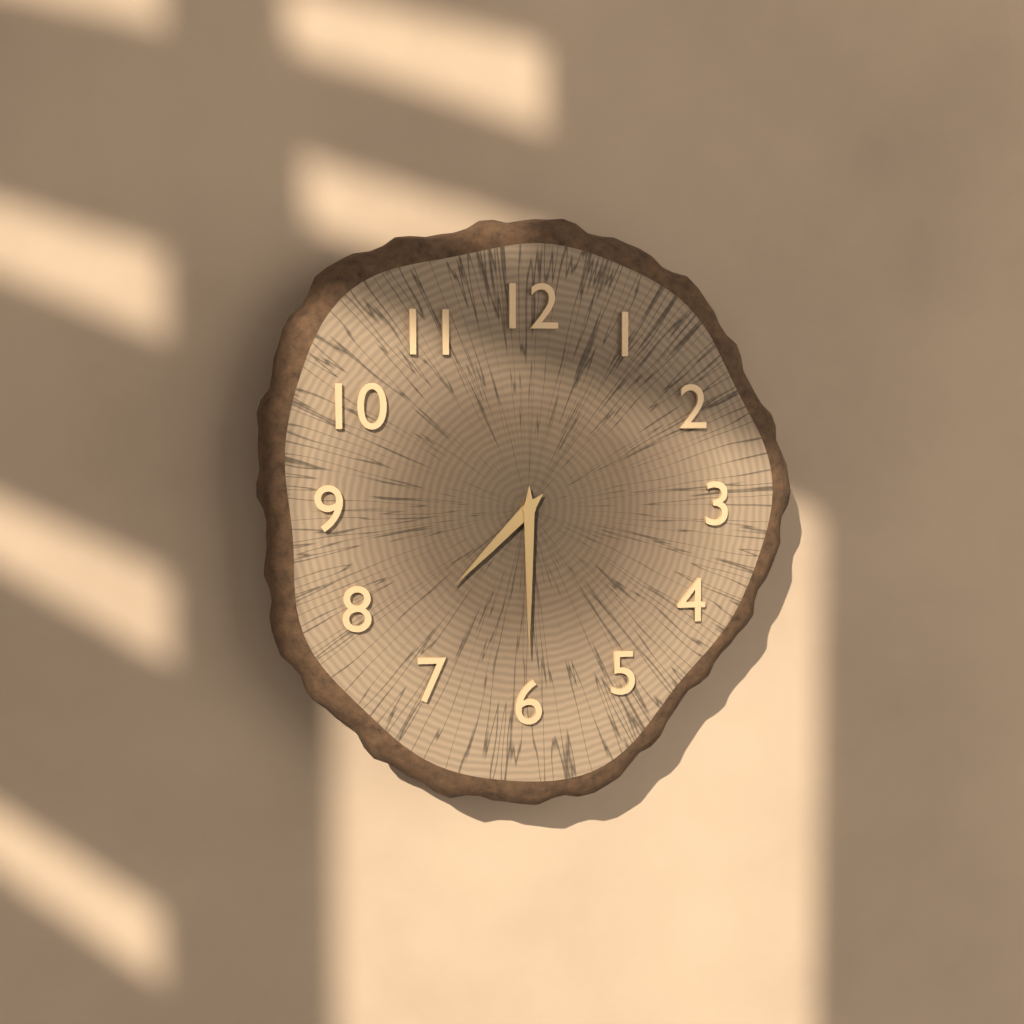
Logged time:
7h30
